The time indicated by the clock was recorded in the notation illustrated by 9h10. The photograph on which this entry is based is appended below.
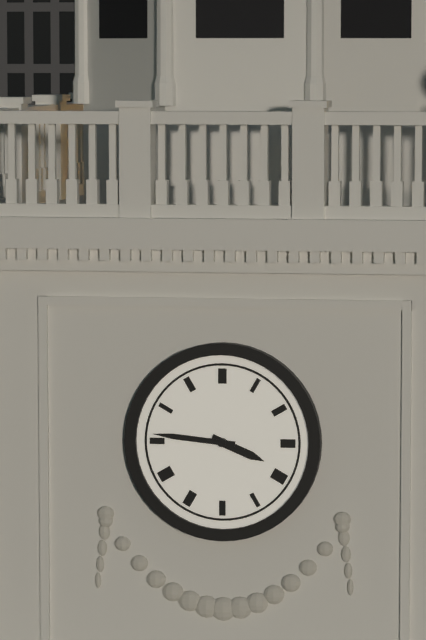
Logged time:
3h46
